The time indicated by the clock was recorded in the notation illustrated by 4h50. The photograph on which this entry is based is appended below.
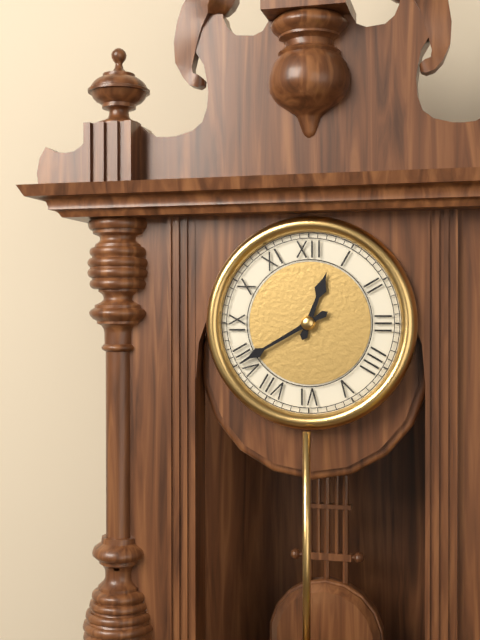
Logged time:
12h40
